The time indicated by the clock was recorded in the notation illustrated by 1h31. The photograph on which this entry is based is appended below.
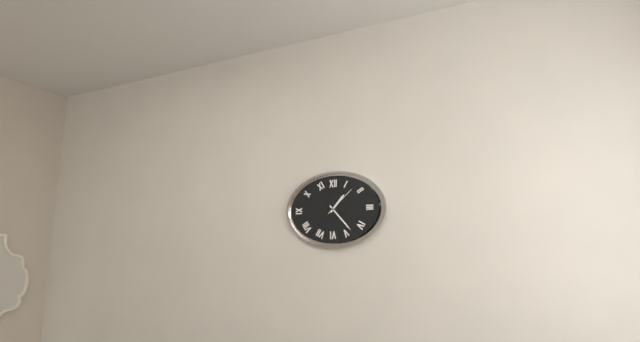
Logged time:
1h23
